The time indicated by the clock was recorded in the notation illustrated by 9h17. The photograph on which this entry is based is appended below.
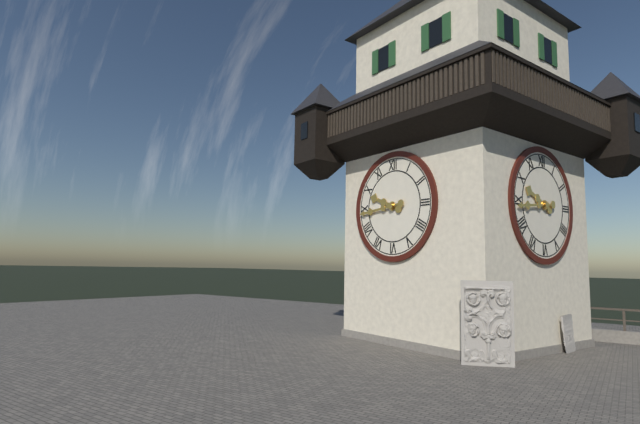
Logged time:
9h44
